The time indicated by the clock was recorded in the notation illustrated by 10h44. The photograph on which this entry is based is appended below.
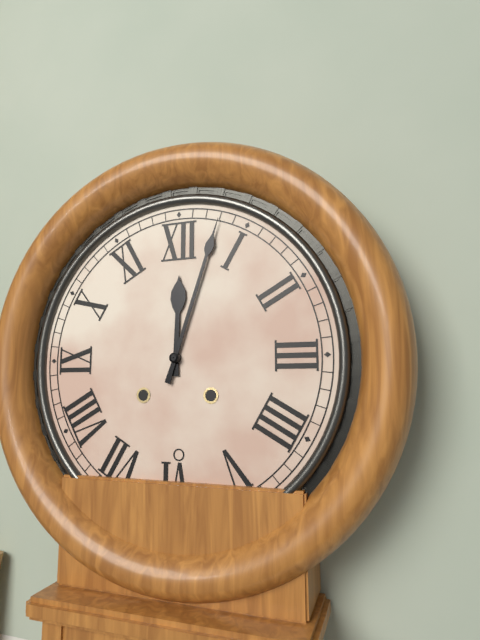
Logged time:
12h03
